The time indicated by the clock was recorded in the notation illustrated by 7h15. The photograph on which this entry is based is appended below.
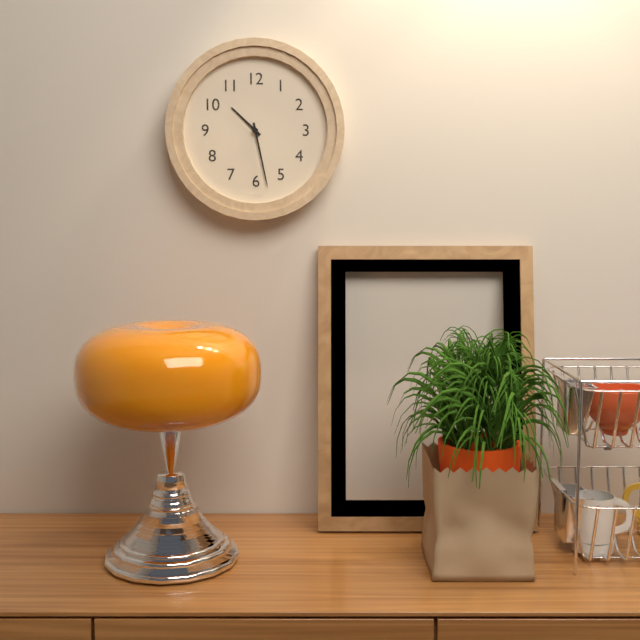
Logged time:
10h28
